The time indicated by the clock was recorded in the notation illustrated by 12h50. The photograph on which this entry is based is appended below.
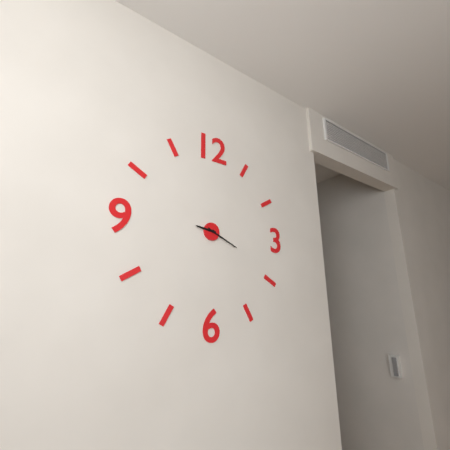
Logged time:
9h19
